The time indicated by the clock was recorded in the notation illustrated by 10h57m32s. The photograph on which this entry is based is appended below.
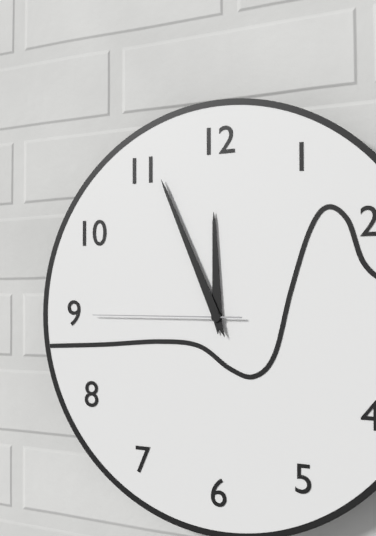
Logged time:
11h56m45s
